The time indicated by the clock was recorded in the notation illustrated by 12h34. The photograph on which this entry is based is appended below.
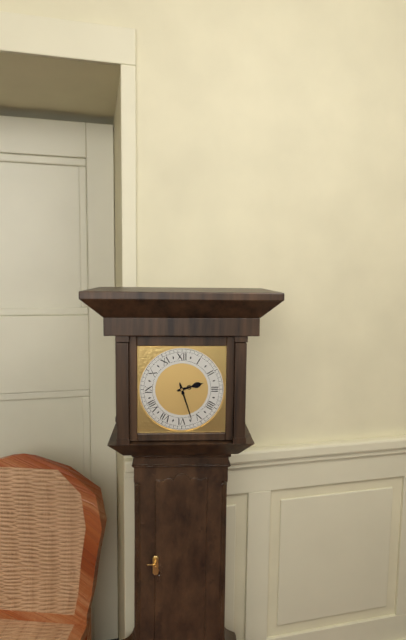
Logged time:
2h27
